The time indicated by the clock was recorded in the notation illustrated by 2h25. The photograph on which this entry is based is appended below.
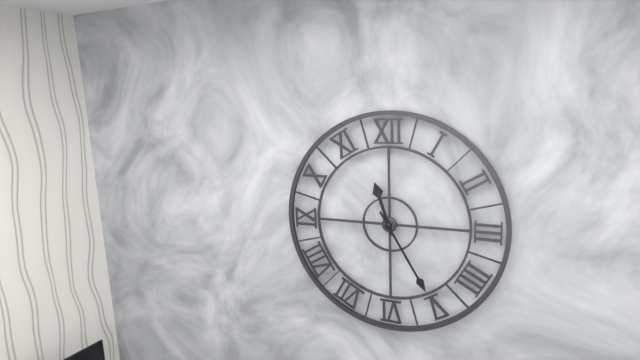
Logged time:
11h25
